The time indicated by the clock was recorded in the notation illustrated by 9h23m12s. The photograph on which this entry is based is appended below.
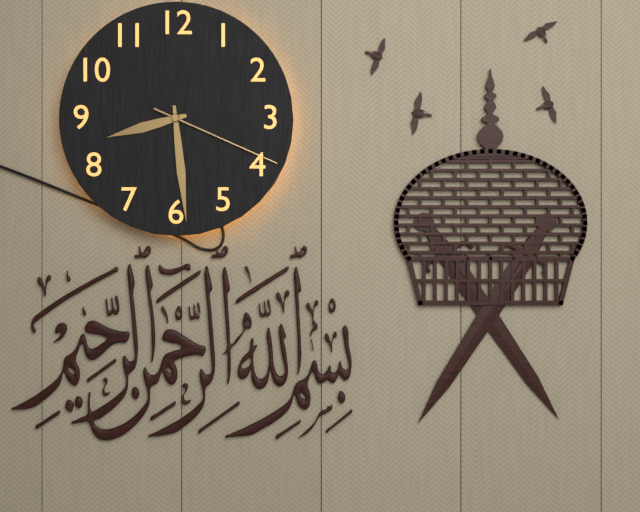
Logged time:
8h29m19s
